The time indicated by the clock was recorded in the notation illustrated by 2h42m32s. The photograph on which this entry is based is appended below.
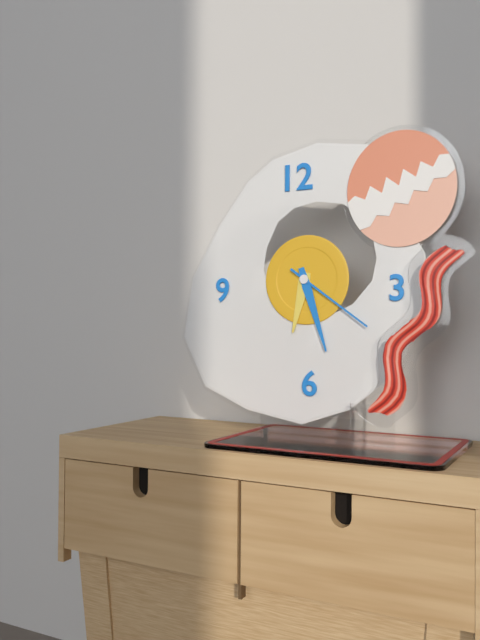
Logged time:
6h27m21s
